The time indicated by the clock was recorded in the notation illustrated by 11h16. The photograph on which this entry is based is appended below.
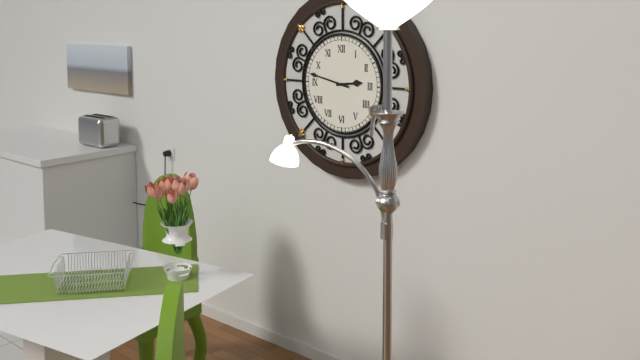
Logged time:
2h47
